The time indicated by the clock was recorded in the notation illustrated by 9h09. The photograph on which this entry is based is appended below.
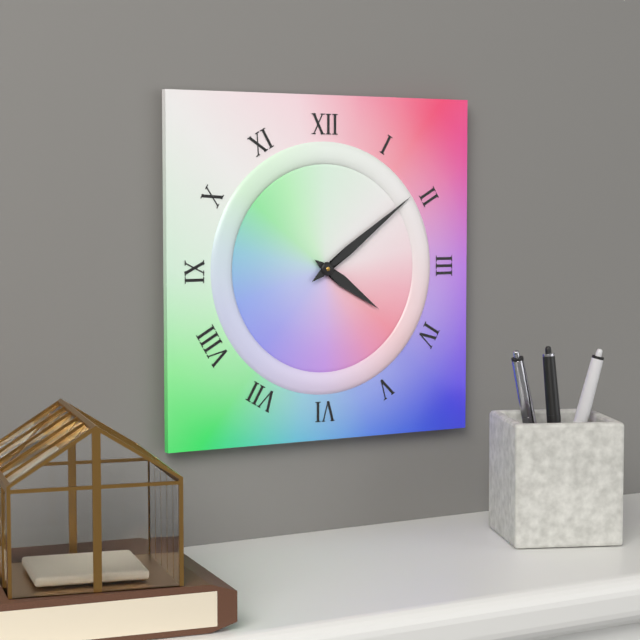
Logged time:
4h09
